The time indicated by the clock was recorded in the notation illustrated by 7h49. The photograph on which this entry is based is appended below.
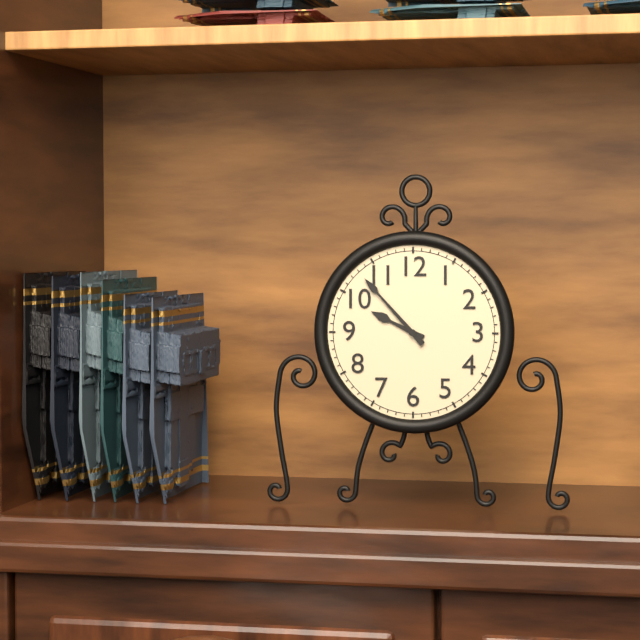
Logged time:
9h53
